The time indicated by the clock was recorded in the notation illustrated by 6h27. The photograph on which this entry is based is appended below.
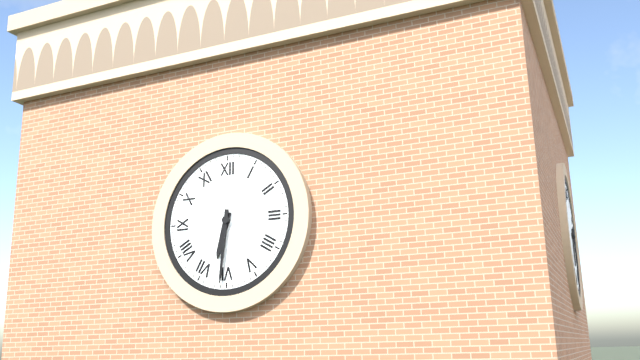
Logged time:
6h31
